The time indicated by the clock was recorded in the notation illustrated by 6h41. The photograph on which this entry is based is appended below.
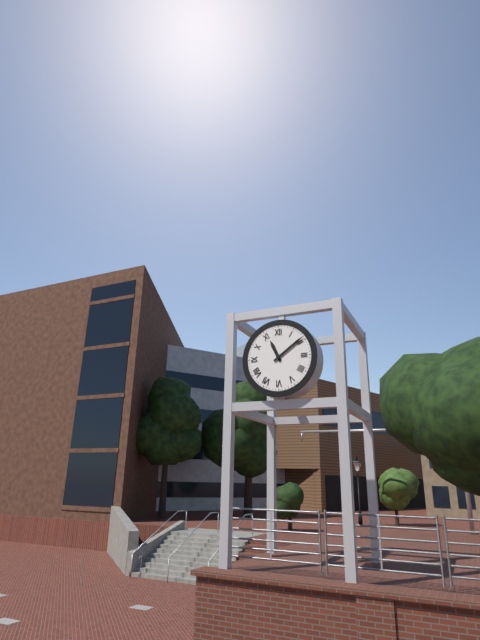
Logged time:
11h09
